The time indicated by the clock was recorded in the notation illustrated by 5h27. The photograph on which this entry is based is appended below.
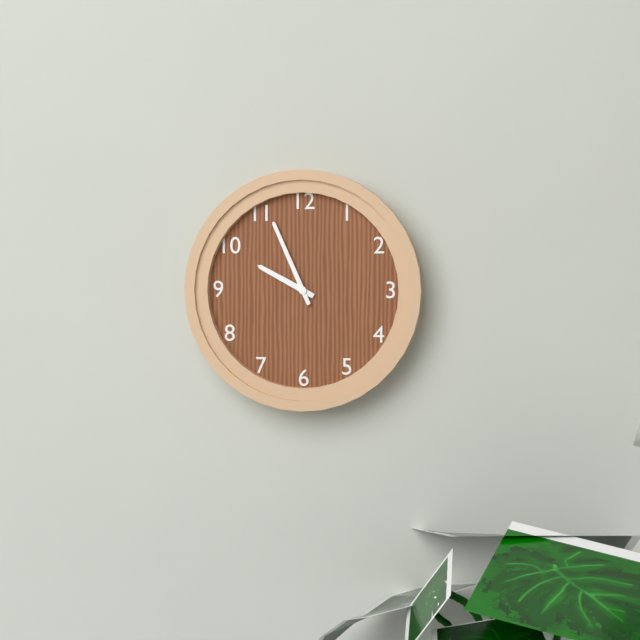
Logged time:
9h56
